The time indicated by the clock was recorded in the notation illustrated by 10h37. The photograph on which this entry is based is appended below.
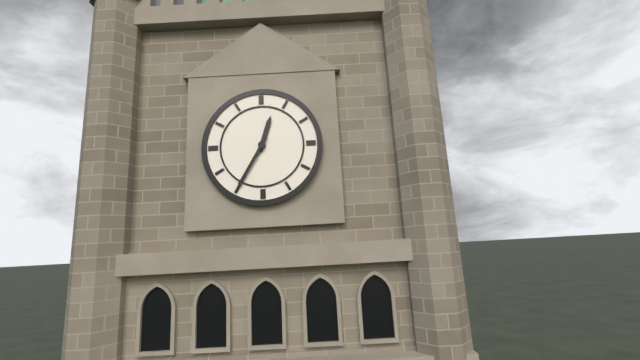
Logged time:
12h35
